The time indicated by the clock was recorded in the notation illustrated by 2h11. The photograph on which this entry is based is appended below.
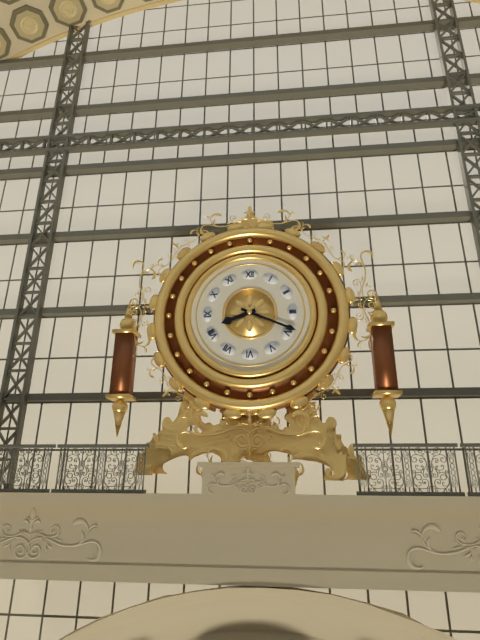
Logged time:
8h19
